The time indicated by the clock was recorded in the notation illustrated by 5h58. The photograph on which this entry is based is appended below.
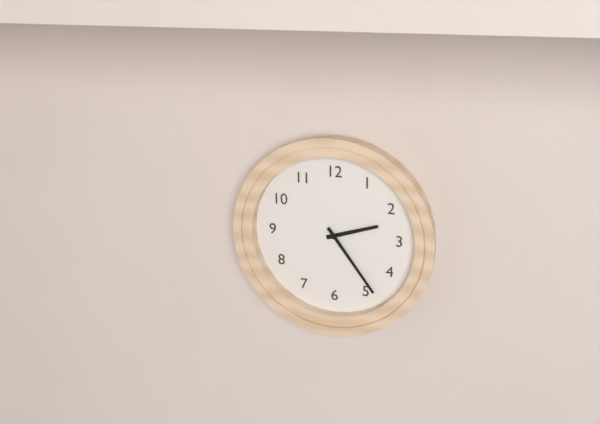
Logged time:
2h24
